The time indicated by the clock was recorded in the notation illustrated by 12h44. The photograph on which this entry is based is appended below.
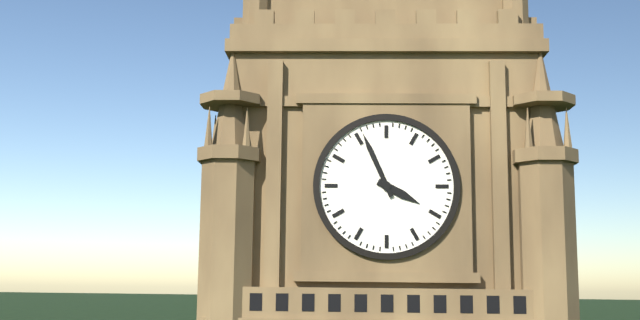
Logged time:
3h56
